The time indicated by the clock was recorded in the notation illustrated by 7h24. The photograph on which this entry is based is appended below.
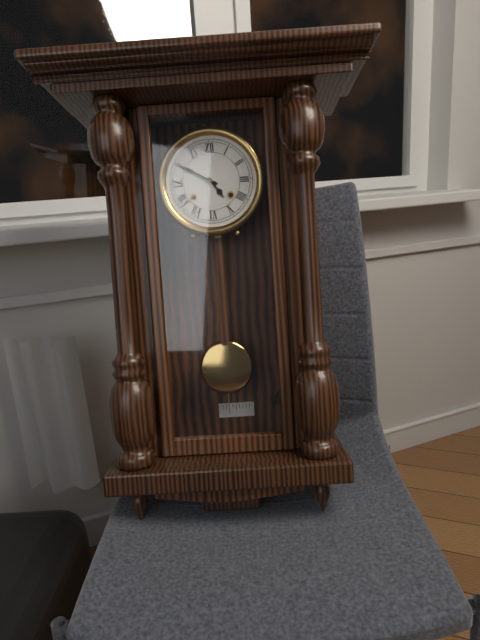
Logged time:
4h50
